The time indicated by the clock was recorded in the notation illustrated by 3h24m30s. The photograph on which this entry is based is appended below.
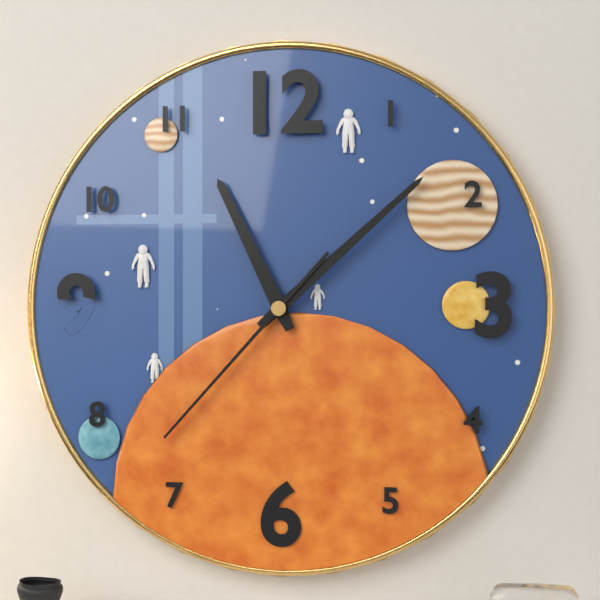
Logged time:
11h08m37s
